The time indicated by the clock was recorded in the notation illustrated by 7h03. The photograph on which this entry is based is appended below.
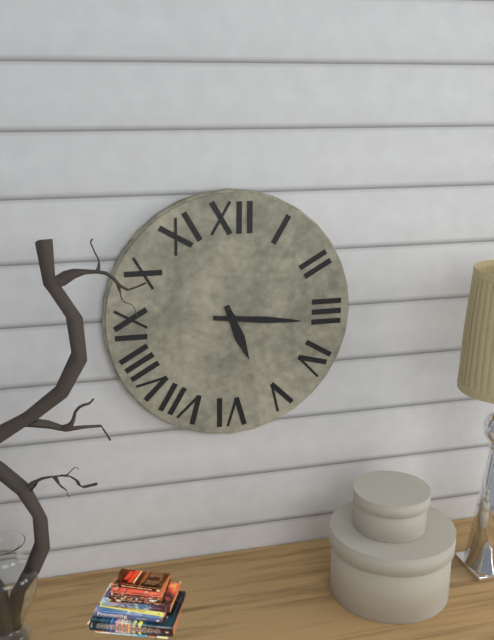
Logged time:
5h16
